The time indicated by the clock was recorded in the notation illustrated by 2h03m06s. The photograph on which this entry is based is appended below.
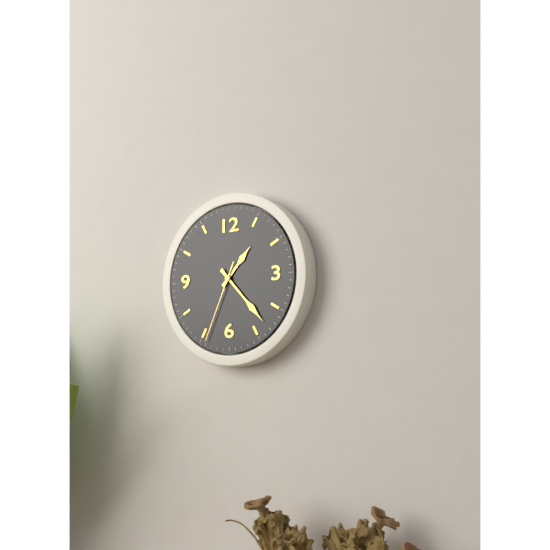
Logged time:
1h23m34s
